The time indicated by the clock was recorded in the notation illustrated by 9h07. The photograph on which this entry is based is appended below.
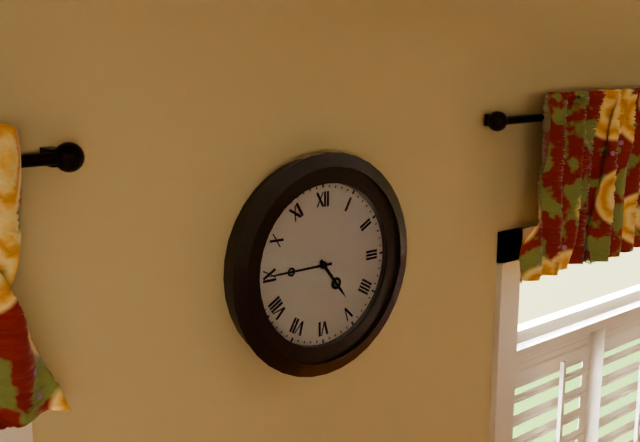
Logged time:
4h45
